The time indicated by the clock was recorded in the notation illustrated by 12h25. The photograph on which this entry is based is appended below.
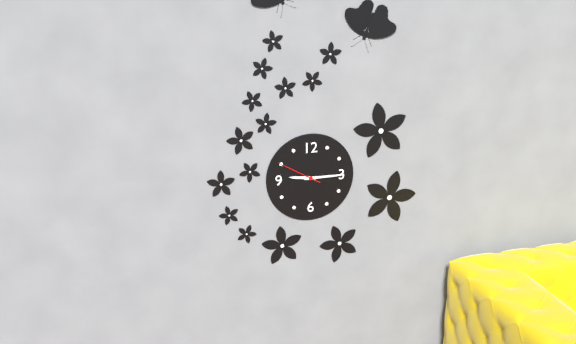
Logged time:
9h15
